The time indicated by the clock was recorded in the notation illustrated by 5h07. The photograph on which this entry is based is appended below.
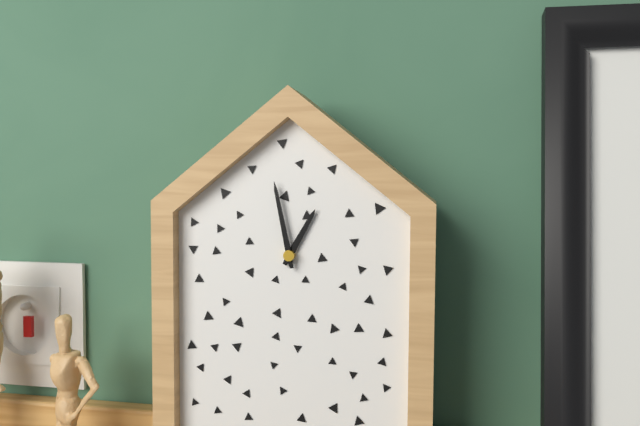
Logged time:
12h58
